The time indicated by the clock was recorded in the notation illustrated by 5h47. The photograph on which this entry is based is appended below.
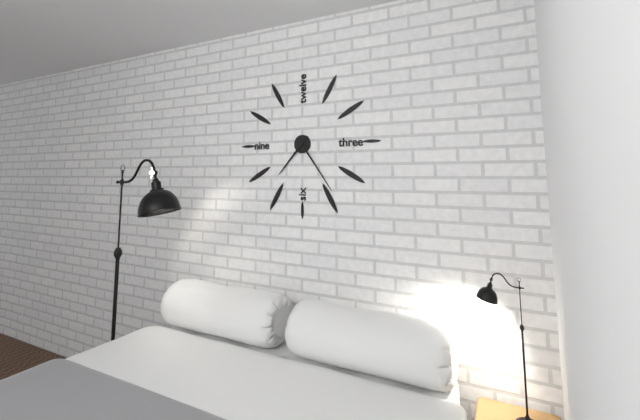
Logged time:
7h24
